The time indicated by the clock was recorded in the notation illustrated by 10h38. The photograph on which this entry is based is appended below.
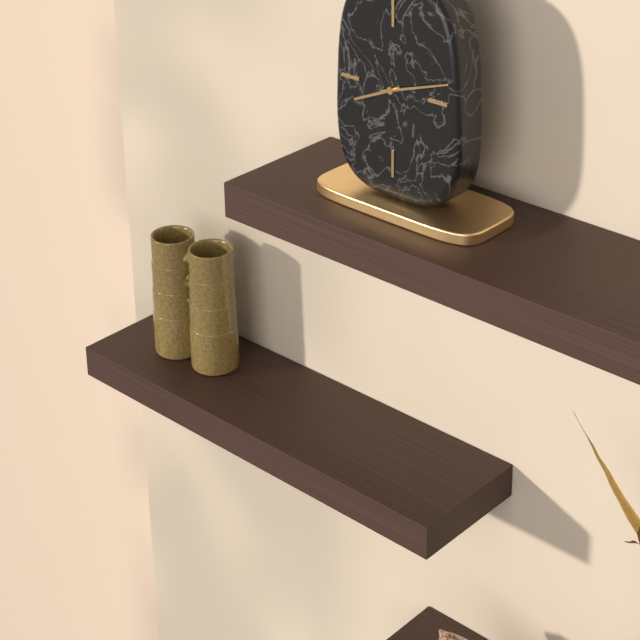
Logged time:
8h12
